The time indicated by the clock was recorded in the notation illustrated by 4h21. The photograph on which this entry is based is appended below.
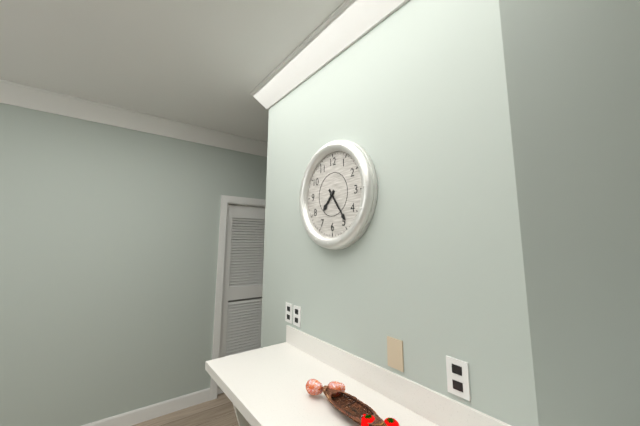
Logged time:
7h24
